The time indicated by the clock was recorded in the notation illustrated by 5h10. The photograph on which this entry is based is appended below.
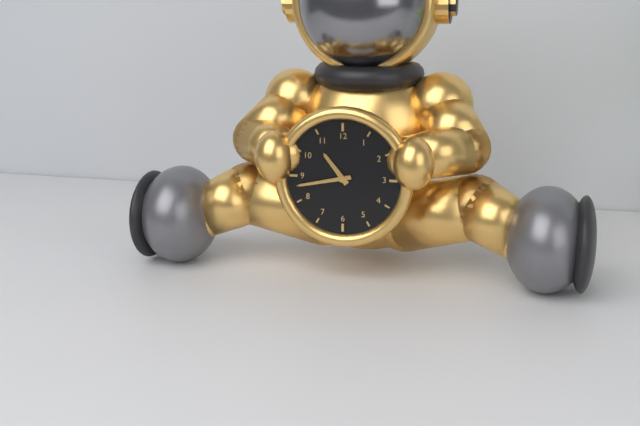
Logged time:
10h43
